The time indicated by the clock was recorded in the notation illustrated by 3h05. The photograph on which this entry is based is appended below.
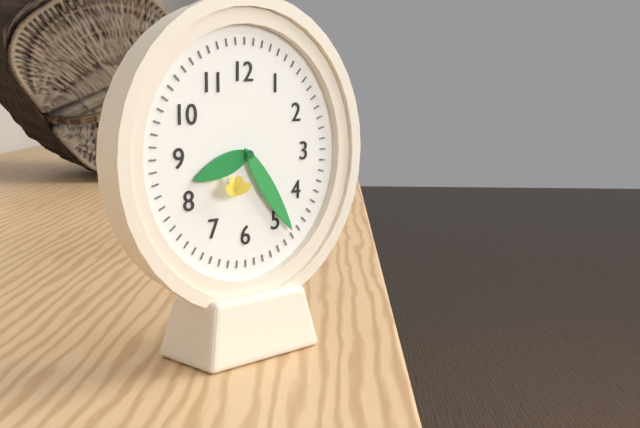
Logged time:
8h24
